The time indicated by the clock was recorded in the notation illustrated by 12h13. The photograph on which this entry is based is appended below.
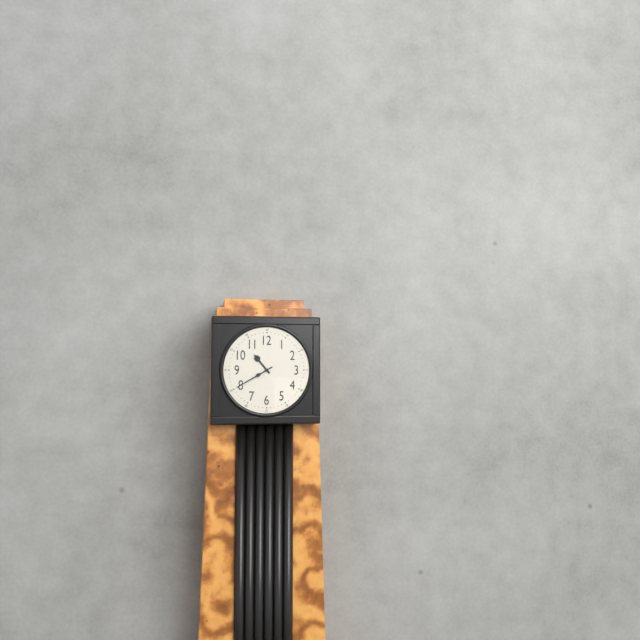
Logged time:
10h40
